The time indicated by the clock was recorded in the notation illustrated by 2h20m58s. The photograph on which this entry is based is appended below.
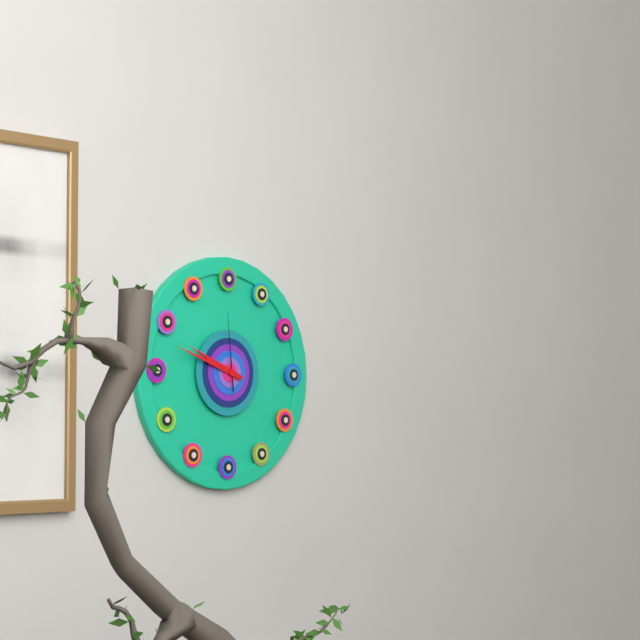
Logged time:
9h48m59s
